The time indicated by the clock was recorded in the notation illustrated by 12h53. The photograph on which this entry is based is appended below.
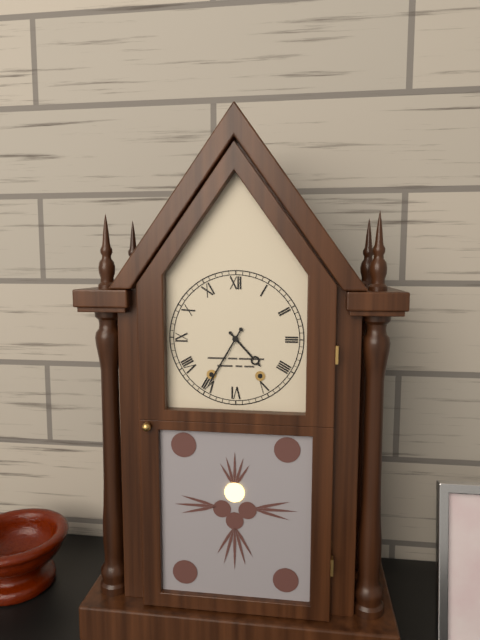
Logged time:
4h35
